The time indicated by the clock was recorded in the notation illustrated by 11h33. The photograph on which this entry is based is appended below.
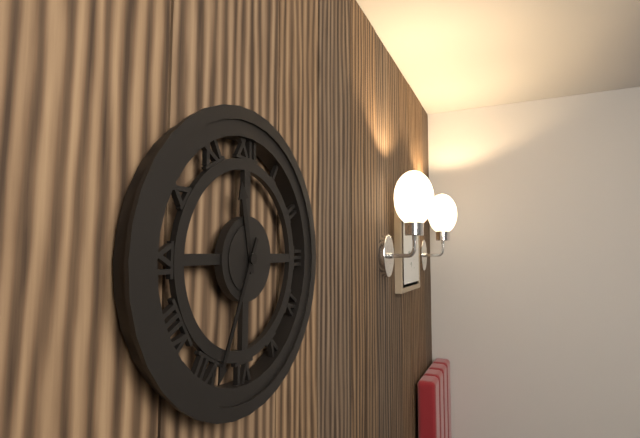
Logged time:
11h34
